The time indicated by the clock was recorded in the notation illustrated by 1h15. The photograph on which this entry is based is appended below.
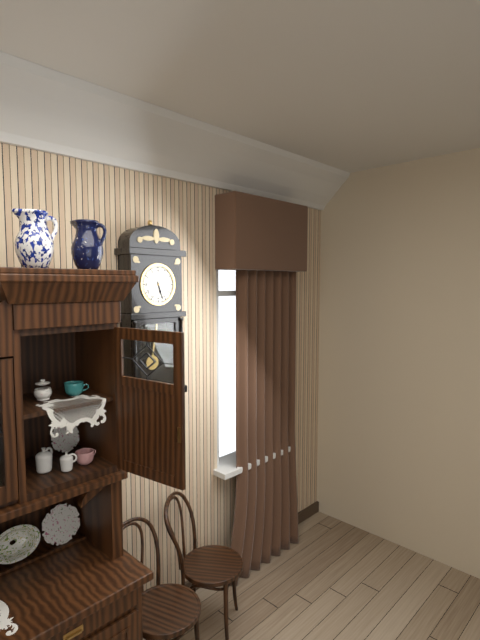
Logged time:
5h27
